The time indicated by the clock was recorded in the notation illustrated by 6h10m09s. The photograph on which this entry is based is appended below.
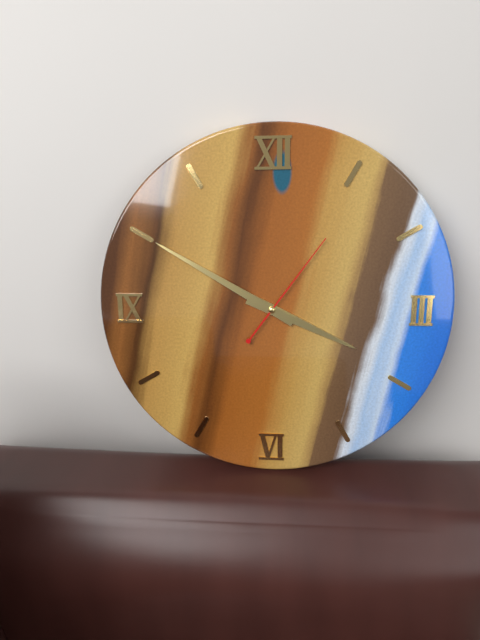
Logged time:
3h50m06s
